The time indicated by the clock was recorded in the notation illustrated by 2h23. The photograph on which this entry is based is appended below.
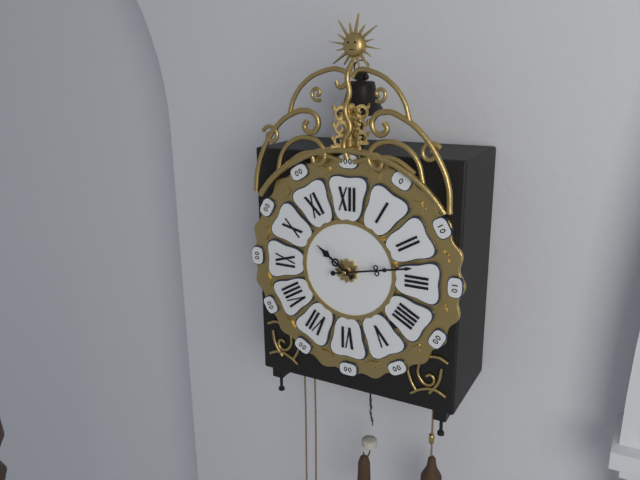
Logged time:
10h13
